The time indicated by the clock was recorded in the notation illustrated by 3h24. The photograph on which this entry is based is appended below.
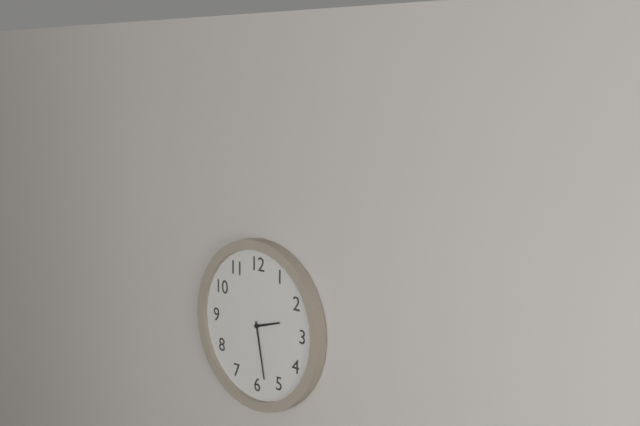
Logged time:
2h28
